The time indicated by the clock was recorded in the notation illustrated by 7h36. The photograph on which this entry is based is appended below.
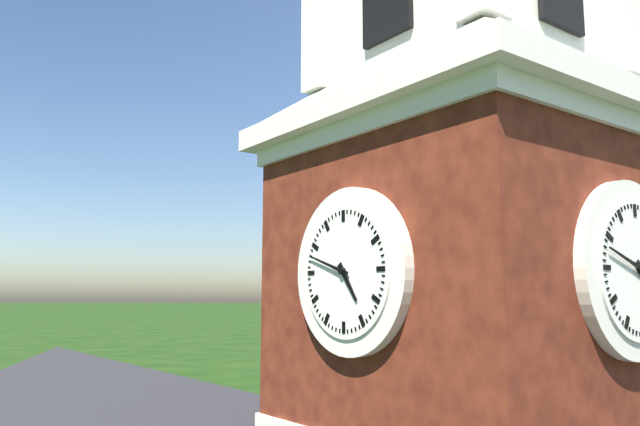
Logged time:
4h48
